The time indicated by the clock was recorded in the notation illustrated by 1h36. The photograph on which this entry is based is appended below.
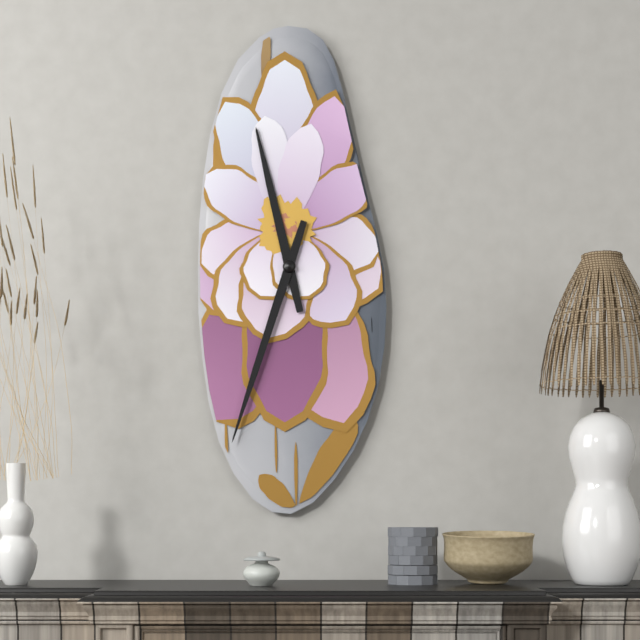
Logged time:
11h33
